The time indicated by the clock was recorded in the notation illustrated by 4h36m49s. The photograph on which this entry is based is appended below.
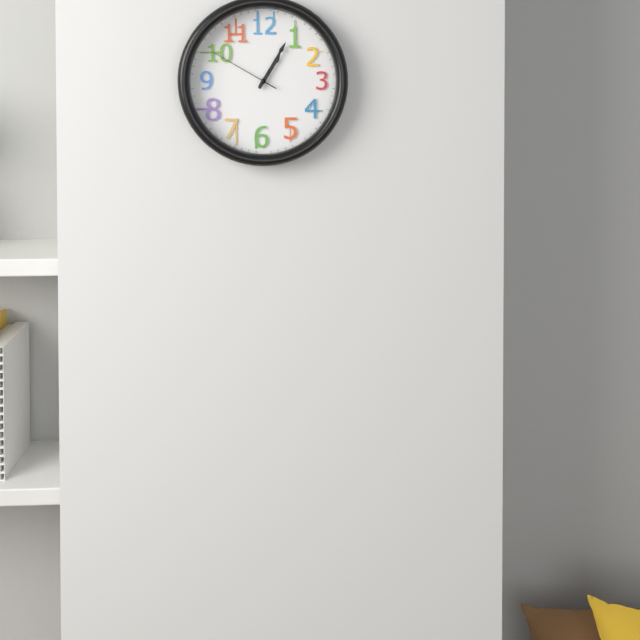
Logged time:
1h05m50s
